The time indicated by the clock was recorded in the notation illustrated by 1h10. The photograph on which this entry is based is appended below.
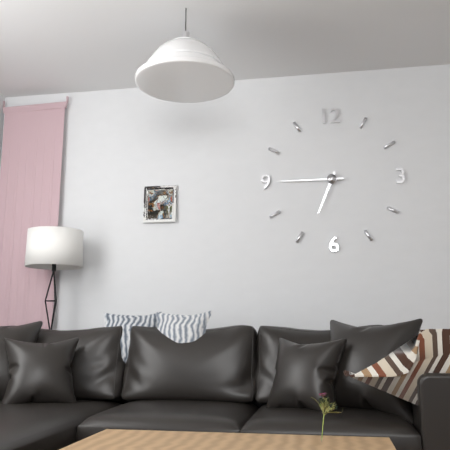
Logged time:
6h45
